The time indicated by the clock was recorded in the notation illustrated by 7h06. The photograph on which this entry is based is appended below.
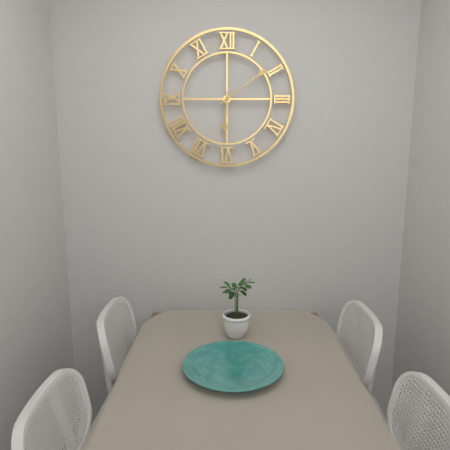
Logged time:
6h09
